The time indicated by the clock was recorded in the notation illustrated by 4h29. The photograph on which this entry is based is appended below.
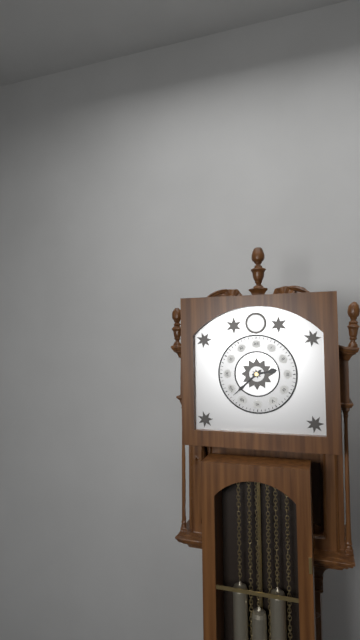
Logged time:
2h38
